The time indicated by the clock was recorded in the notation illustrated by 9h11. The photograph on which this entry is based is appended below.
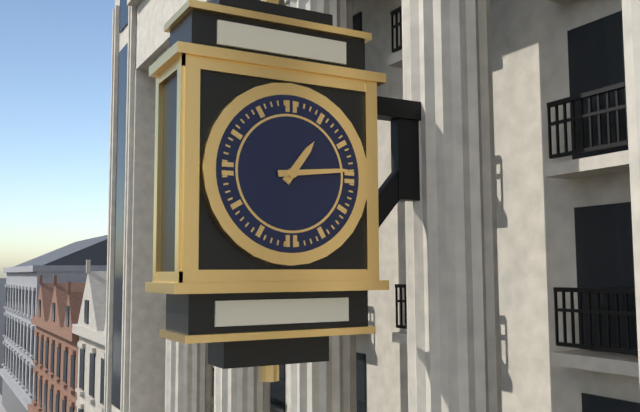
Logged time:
1h14
